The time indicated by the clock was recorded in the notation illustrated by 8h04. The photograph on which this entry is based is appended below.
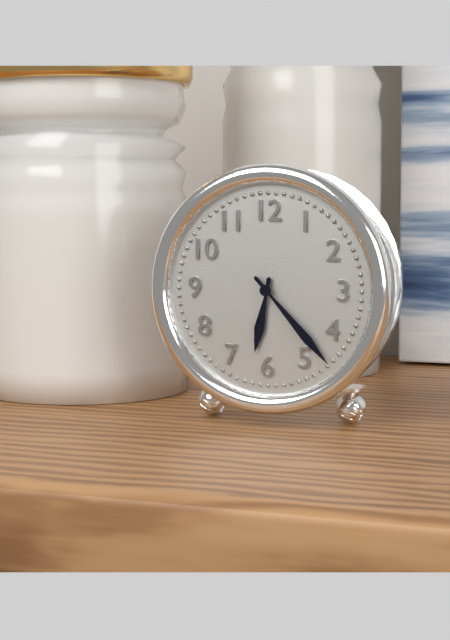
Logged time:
6h23
